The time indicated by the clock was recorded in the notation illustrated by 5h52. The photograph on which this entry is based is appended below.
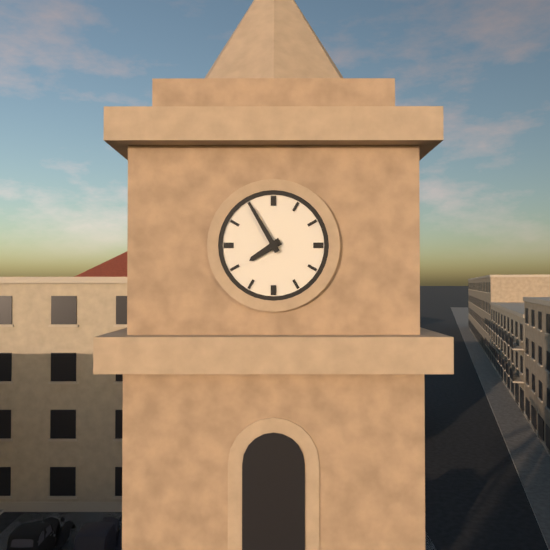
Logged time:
7h55
